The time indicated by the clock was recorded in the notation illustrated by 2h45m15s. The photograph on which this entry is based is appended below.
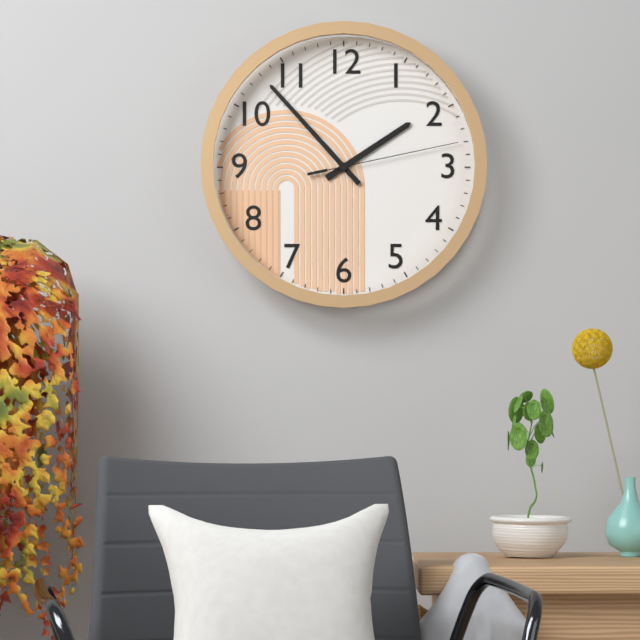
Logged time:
1h53m13s
